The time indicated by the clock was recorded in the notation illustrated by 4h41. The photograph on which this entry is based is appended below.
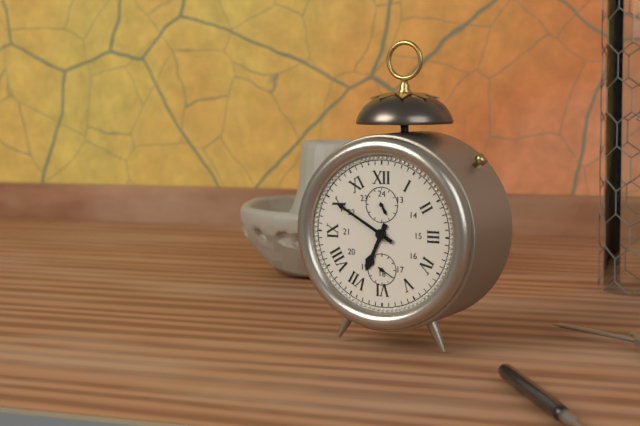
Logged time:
6h50
